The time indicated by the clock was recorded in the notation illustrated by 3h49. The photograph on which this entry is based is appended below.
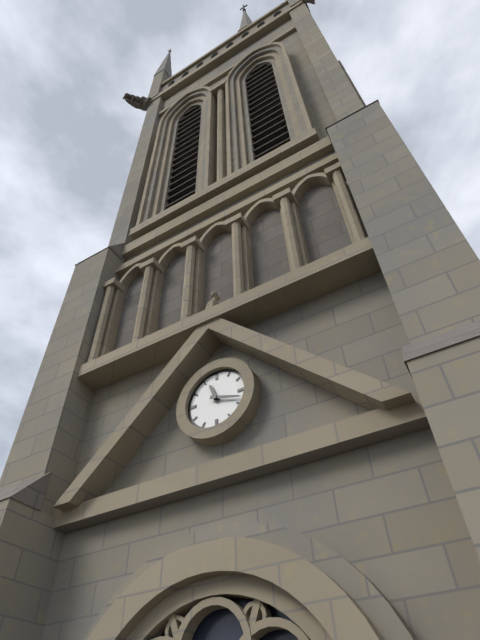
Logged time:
11h18
